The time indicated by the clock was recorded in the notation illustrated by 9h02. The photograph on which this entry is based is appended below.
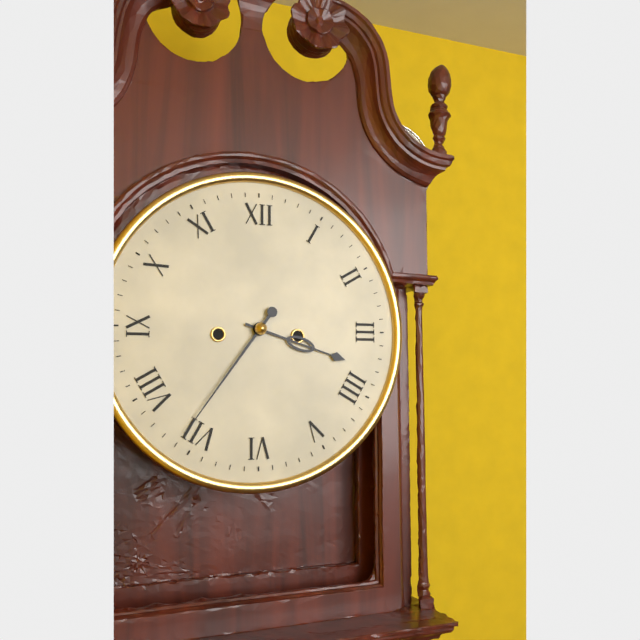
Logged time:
3h36
